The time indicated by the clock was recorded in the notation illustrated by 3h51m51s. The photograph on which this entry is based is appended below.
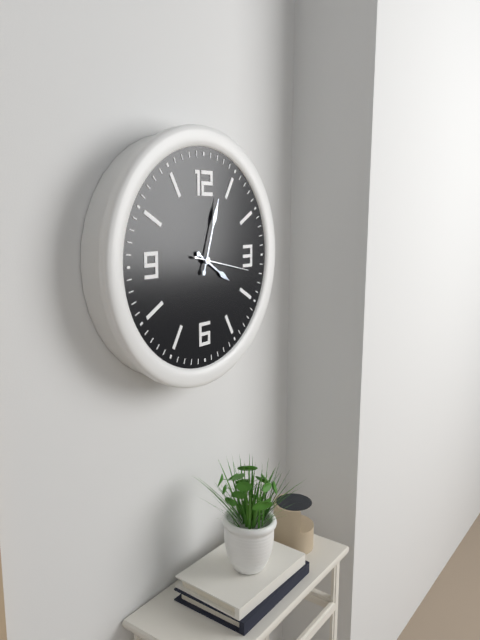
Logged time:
4h03m17s
